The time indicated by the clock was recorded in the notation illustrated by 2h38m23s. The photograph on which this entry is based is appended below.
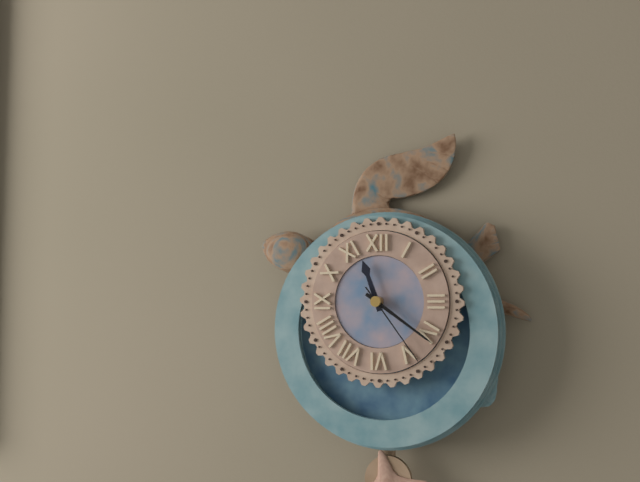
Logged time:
11h21m24s
